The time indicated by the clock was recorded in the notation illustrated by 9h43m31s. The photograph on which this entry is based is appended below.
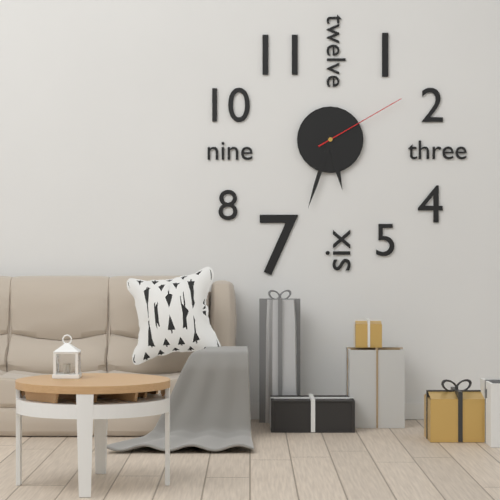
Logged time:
5h33m10s
